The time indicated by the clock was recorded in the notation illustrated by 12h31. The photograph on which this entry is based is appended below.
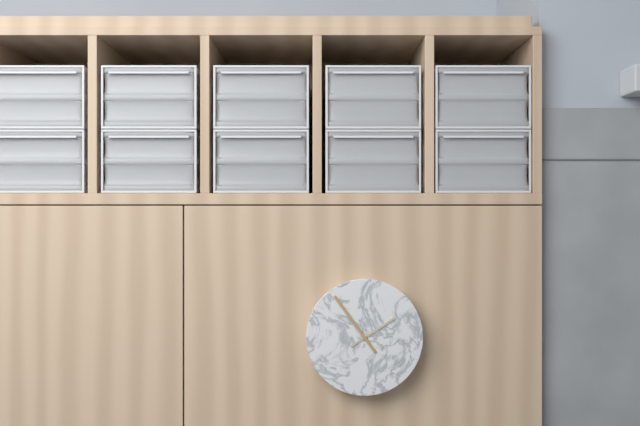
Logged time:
1h54
